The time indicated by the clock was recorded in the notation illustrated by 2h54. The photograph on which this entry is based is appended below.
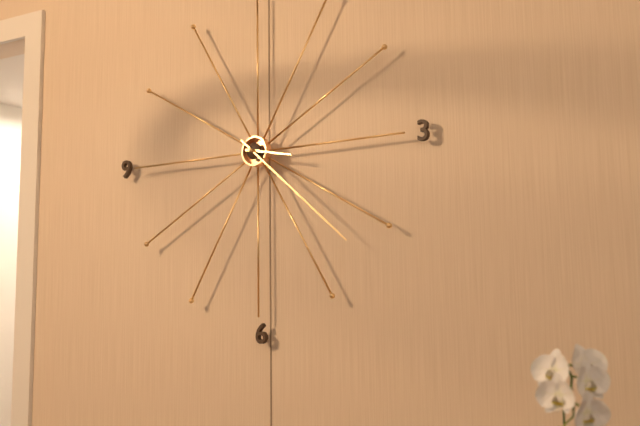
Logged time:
3h22
